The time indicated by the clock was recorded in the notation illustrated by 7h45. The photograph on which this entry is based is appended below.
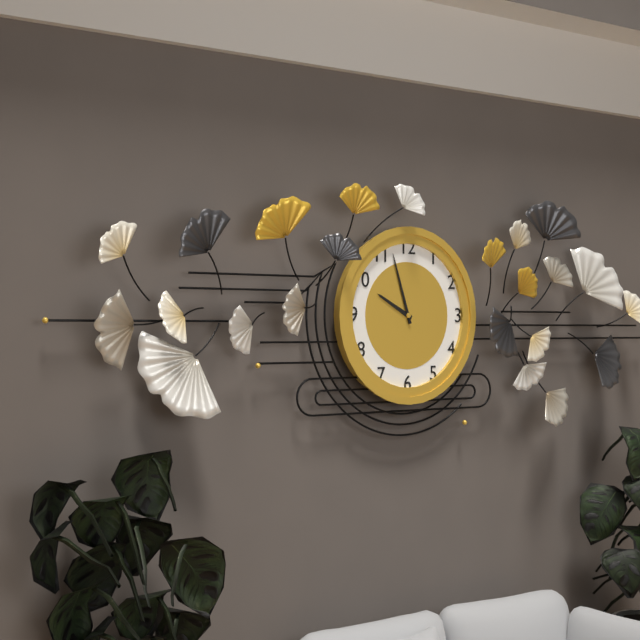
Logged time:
9h57
